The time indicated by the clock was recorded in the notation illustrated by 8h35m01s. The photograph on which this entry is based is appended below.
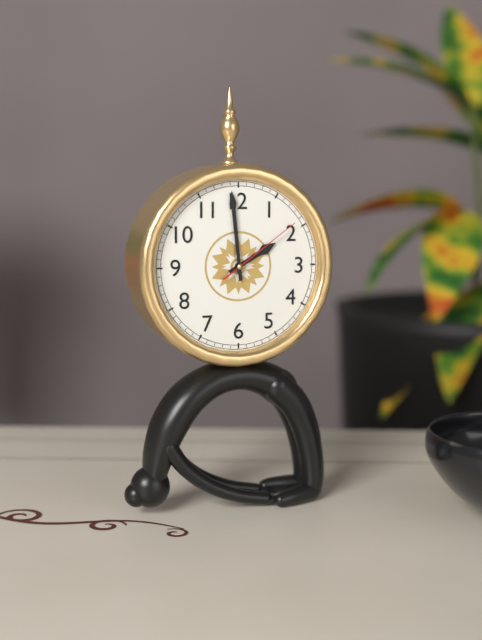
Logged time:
1h59m09s
